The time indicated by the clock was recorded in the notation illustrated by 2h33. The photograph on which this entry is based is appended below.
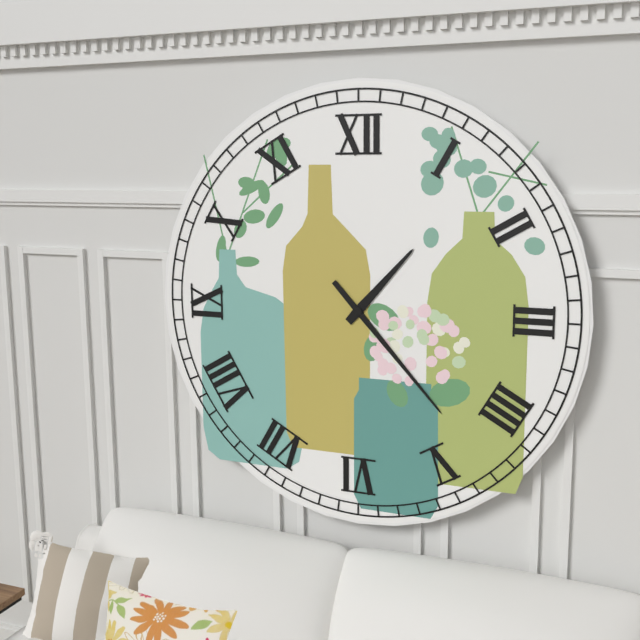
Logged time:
1h23
